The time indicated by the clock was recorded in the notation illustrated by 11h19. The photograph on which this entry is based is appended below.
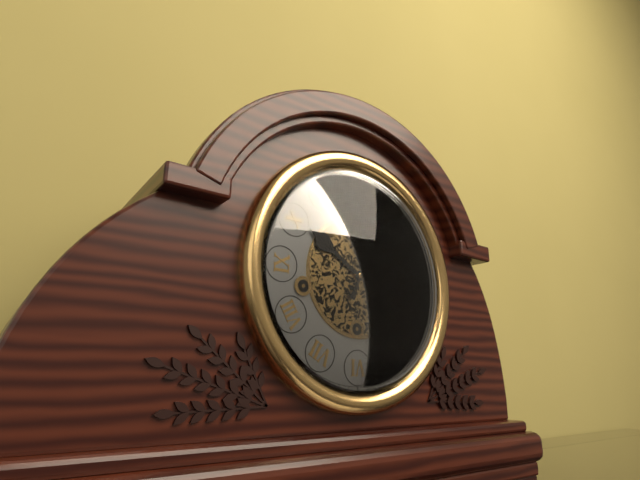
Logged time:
10h04
